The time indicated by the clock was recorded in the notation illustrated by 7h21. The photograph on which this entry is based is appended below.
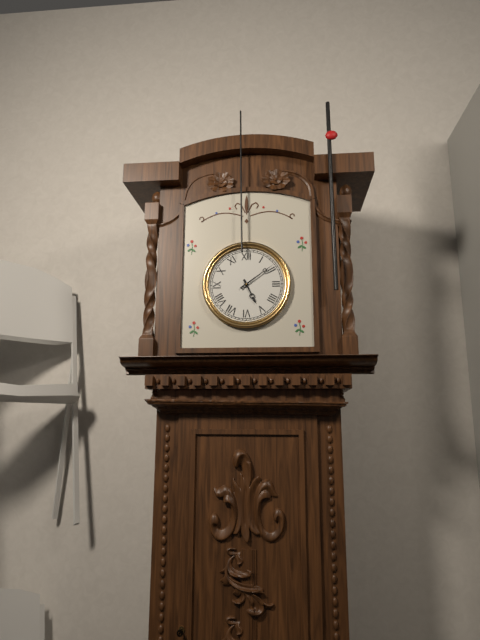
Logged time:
5h09
